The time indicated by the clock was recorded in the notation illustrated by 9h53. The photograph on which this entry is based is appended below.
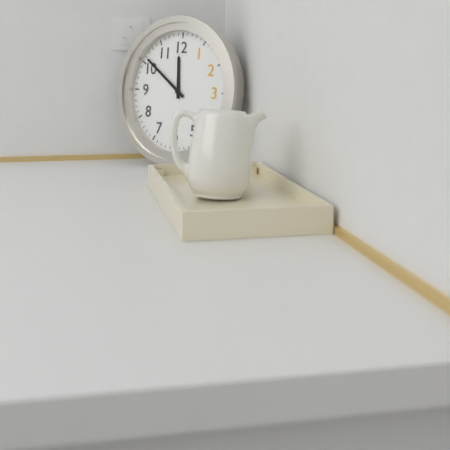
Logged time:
11h51
